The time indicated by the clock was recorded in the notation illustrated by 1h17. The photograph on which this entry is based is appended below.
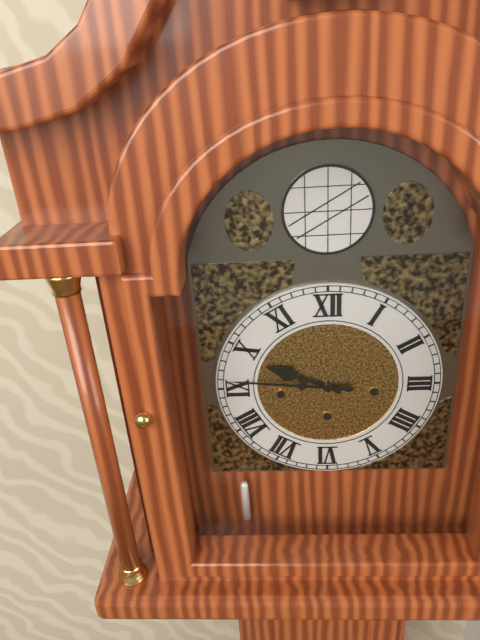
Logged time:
9h46
